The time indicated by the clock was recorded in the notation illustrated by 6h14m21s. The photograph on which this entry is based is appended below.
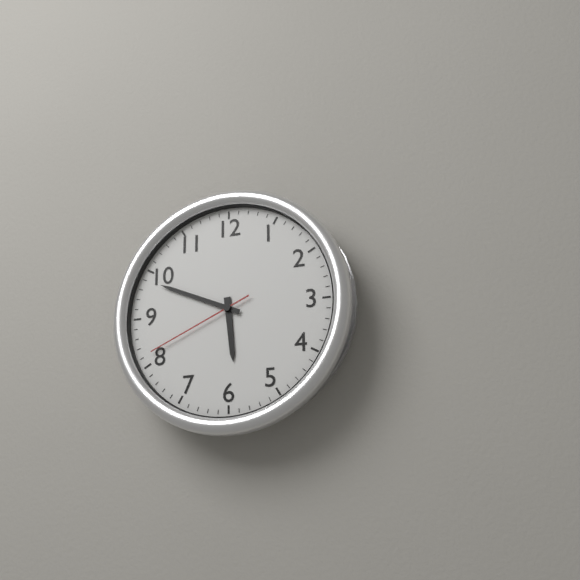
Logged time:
5h49m41s
